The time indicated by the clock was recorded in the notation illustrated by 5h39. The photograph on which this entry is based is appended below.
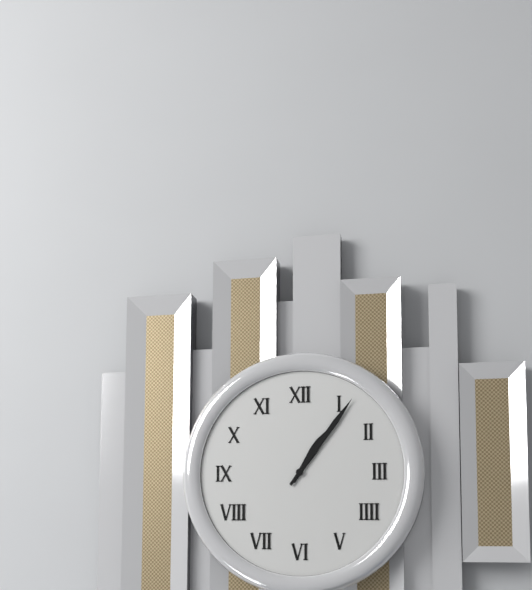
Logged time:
1h06
